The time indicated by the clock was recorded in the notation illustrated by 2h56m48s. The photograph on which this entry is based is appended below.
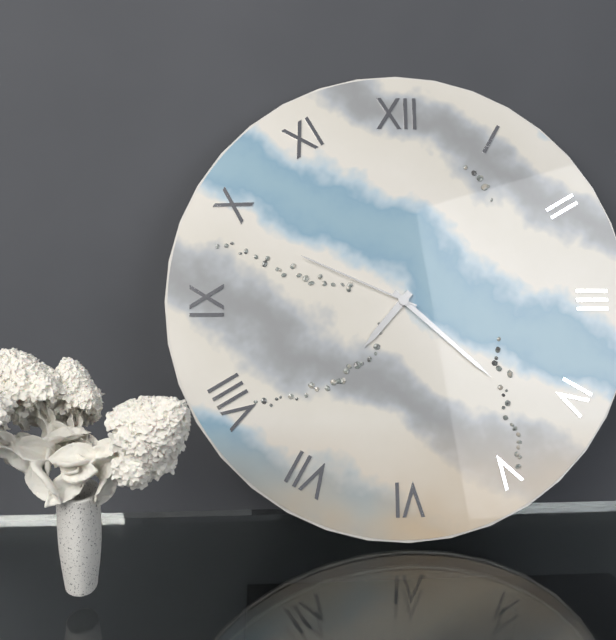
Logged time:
7h22m49s
